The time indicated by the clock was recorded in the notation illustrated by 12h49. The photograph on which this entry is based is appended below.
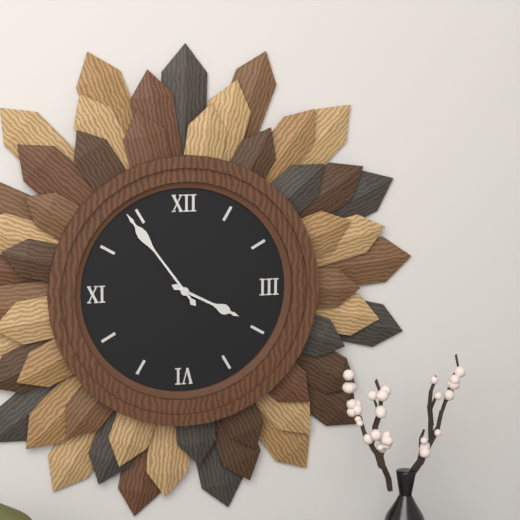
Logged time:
3h54
